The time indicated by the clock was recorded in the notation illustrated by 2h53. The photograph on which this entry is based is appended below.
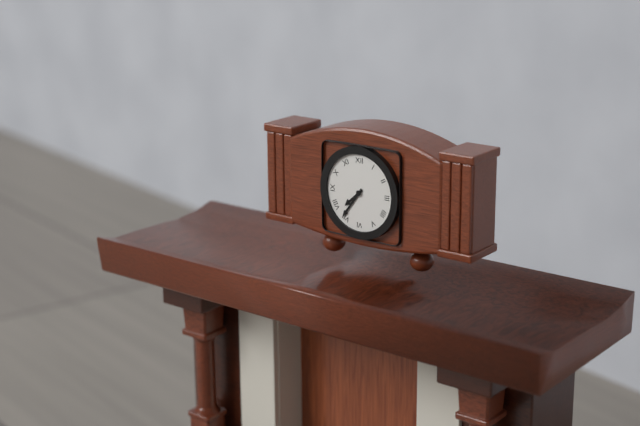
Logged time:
7h36
